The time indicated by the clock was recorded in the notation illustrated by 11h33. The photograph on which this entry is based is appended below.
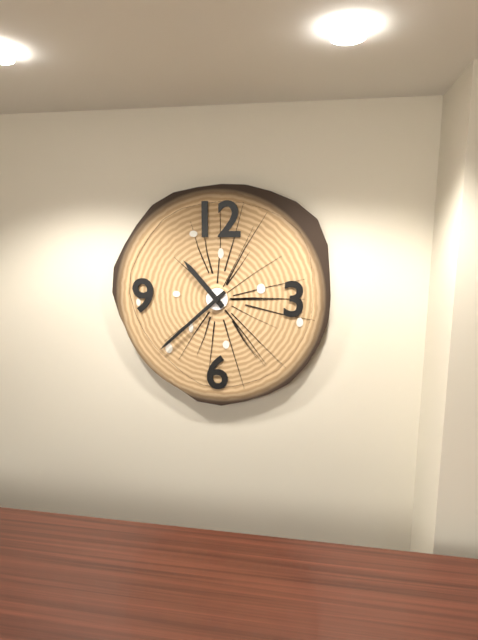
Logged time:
10h38
